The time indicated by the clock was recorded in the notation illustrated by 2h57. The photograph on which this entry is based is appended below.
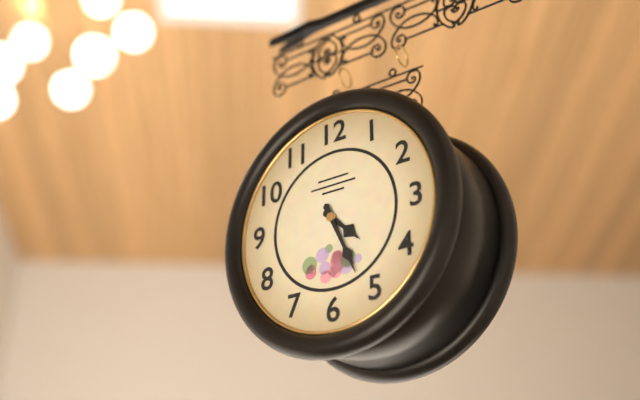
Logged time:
4h26
